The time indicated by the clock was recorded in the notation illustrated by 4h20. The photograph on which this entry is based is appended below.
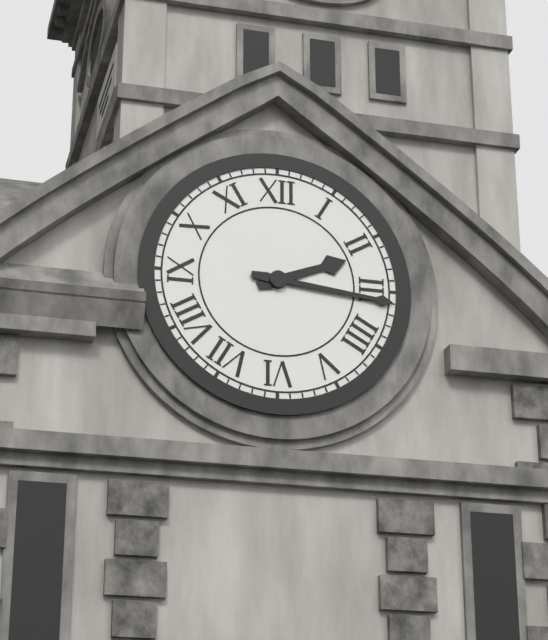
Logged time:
2h16
